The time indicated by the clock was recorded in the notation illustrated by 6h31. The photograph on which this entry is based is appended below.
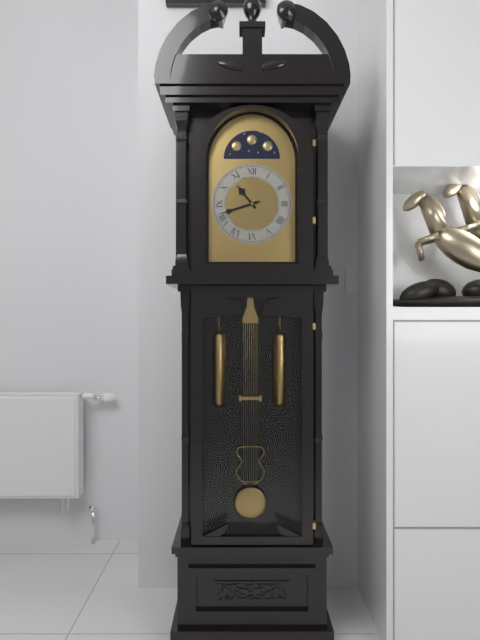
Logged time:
10h42
